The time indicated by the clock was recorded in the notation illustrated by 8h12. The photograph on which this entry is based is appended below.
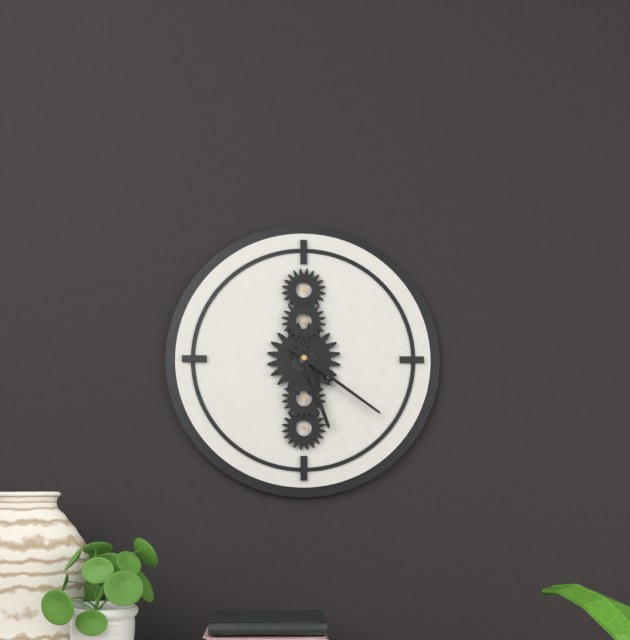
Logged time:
5h21
